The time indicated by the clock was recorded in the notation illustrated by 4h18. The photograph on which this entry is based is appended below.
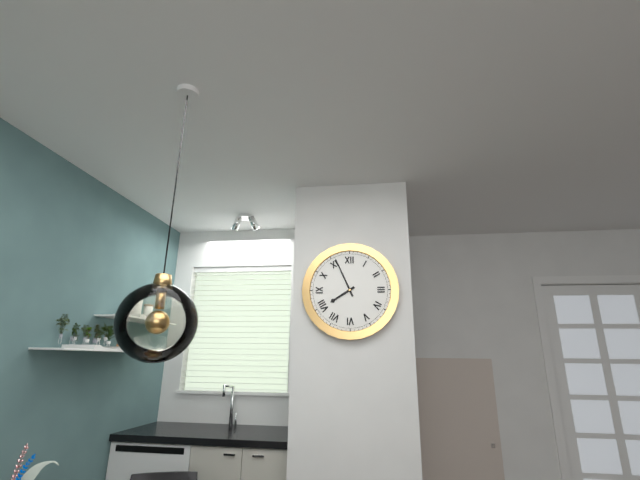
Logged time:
7h56
